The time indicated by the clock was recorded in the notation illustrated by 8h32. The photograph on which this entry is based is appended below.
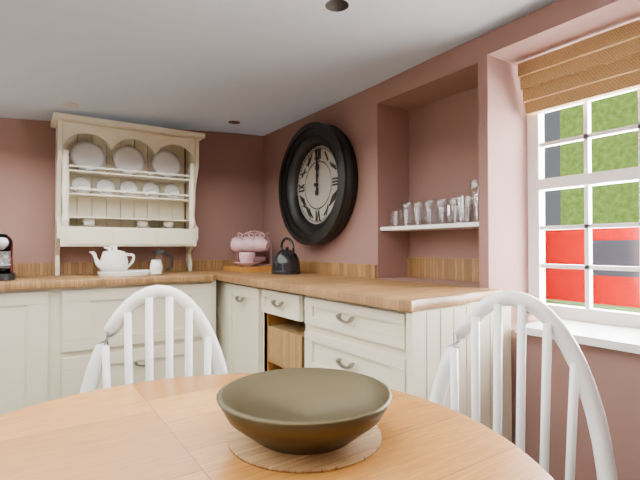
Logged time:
12h00
